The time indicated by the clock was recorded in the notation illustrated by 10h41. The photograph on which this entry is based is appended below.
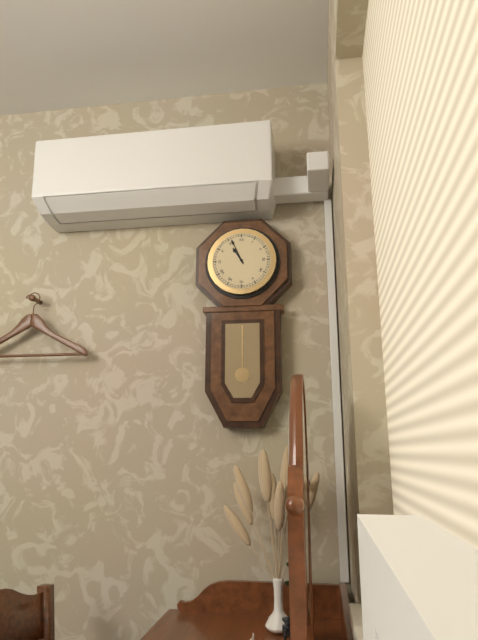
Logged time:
10h56
